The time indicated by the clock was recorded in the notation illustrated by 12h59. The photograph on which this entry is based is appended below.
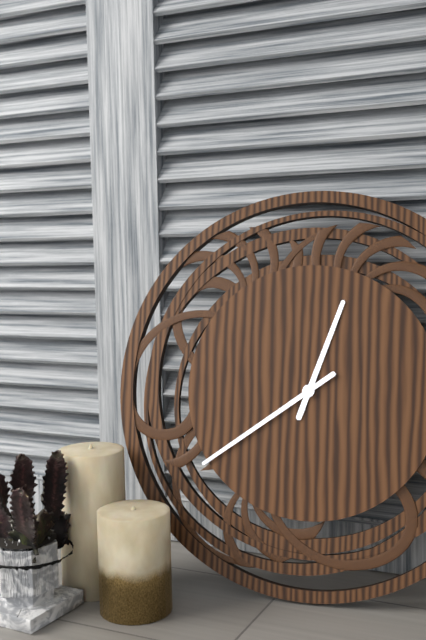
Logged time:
12h39
